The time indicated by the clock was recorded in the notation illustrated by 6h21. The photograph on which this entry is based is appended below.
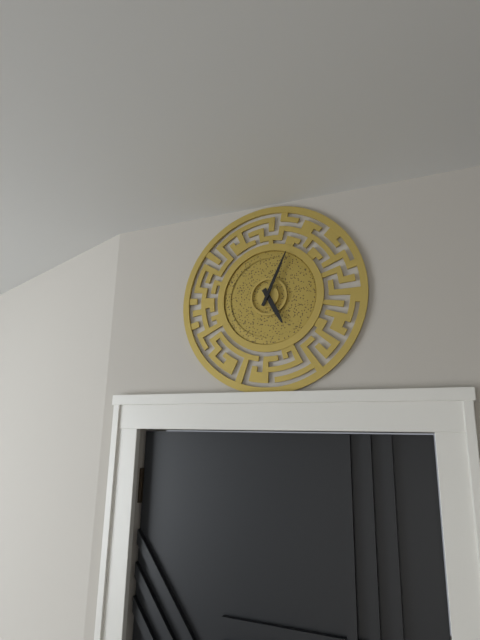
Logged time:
5h04
